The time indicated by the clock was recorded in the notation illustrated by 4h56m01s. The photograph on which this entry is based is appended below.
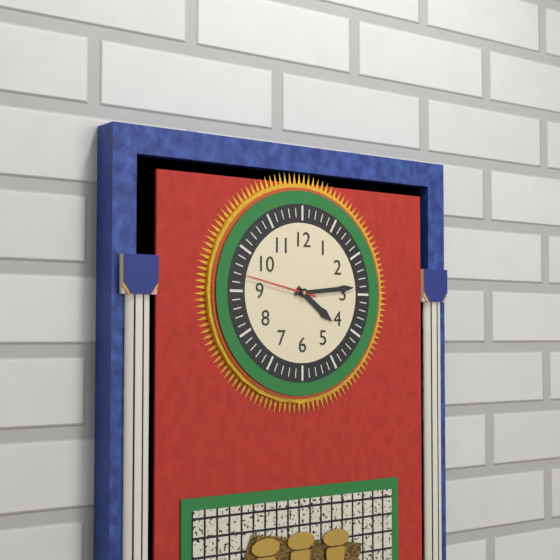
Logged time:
4h14m47s
